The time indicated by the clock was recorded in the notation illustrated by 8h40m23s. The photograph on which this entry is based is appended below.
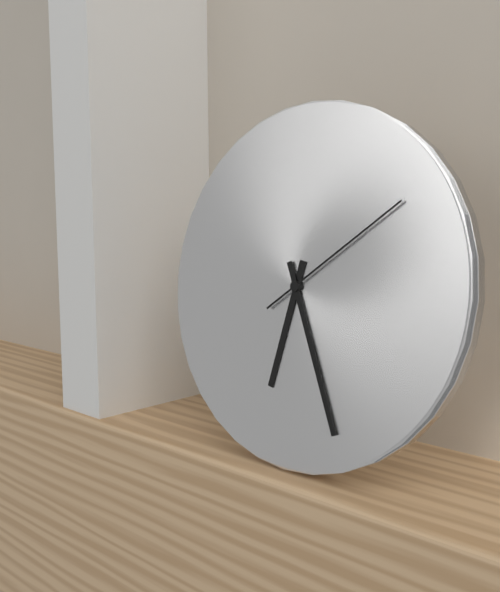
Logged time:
6h26m09s
